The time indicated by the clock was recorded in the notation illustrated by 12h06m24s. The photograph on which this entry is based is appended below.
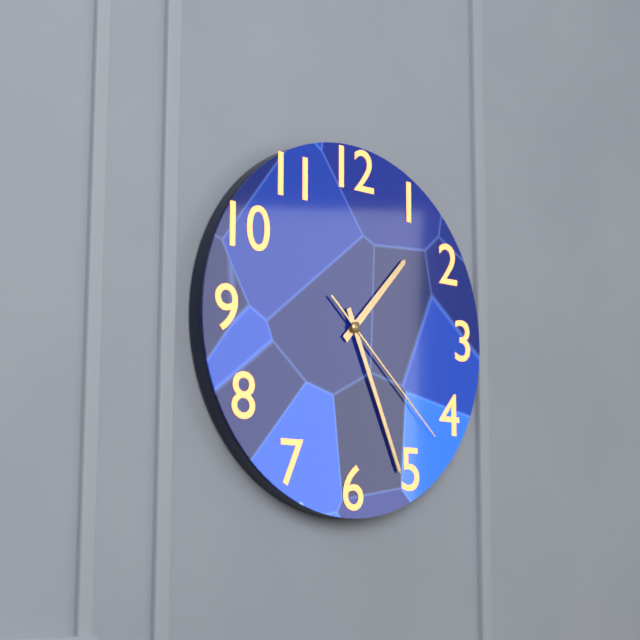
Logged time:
1h26m22s
